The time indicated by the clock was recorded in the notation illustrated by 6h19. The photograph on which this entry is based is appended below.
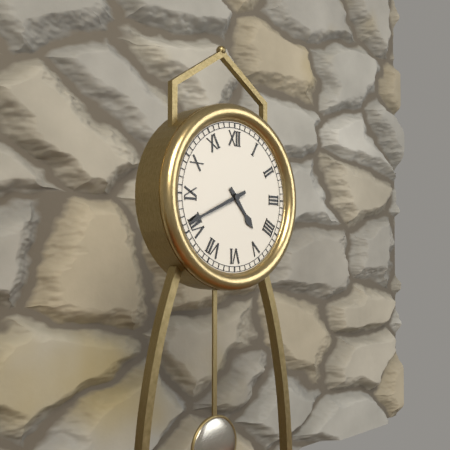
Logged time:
4h41
